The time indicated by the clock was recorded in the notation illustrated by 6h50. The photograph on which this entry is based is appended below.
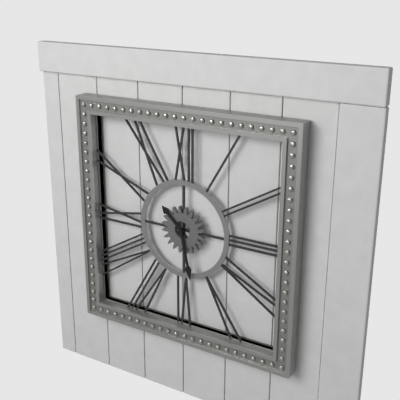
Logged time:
10h28
